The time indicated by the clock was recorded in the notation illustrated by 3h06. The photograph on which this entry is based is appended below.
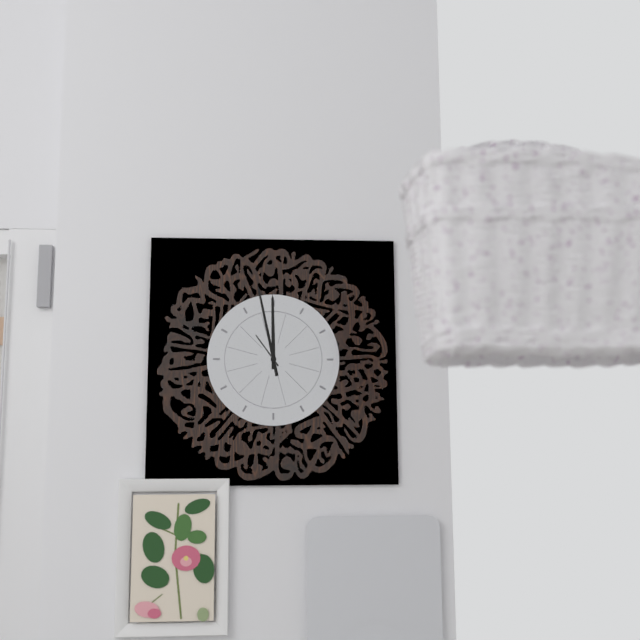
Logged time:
11h58
